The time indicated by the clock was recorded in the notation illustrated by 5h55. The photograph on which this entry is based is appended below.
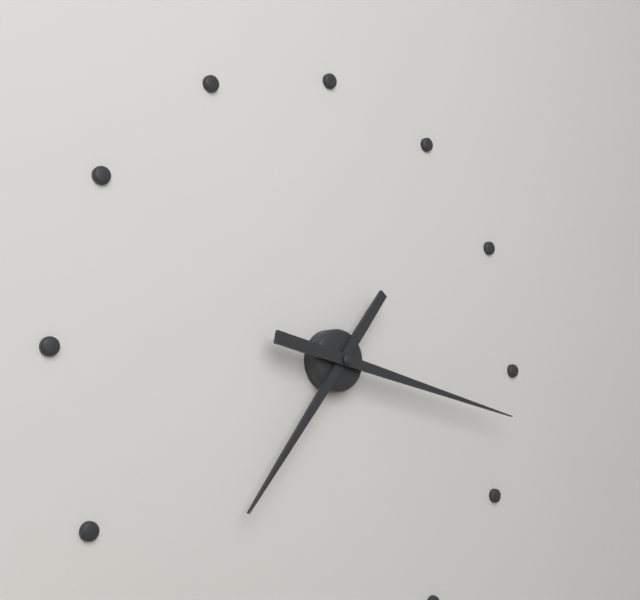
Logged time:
7h17
